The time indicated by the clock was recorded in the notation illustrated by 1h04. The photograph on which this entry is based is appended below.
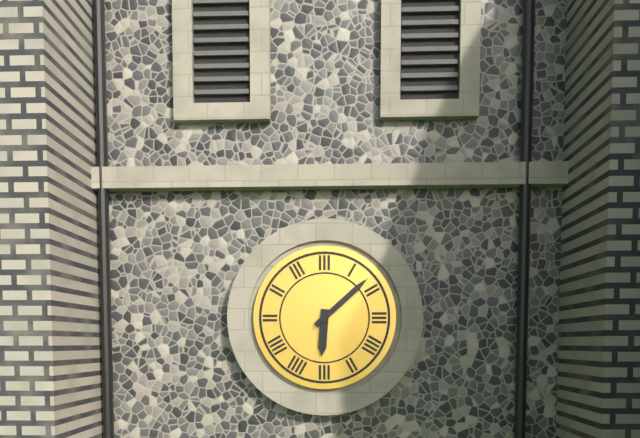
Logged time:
6h08
